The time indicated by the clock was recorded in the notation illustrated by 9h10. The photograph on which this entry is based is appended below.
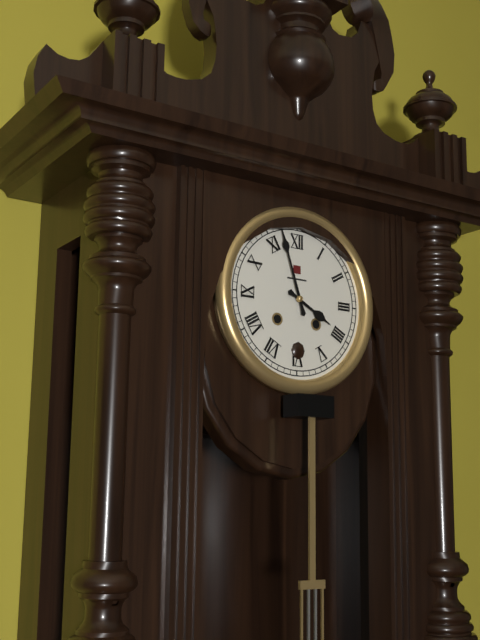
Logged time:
3h57
